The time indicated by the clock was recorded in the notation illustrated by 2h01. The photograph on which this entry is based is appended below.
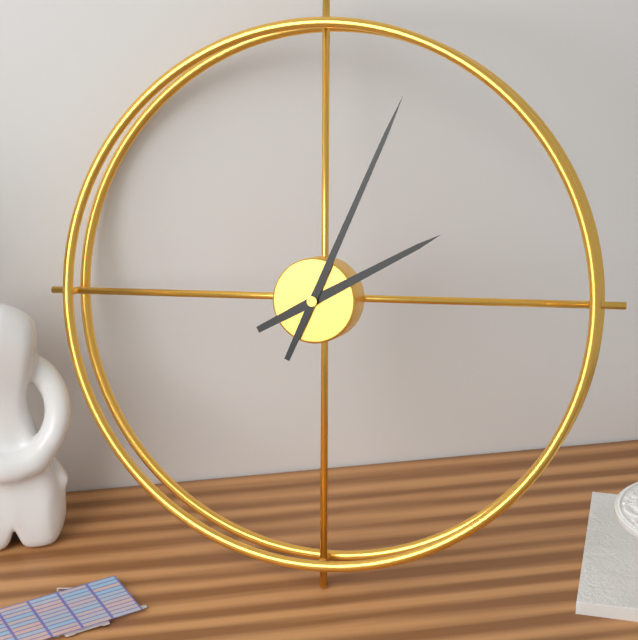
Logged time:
2h04
